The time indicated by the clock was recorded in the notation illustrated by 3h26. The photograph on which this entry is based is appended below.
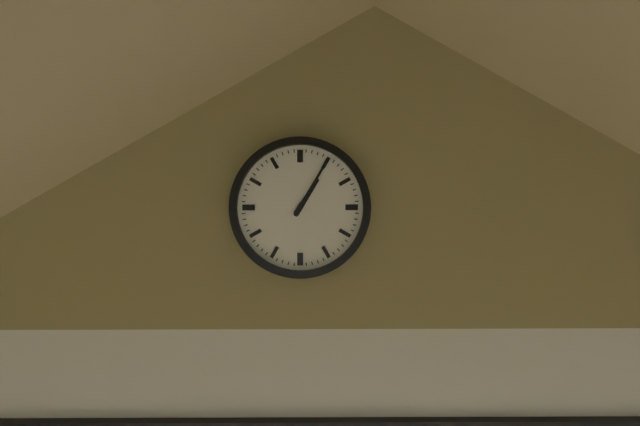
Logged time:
1h05
